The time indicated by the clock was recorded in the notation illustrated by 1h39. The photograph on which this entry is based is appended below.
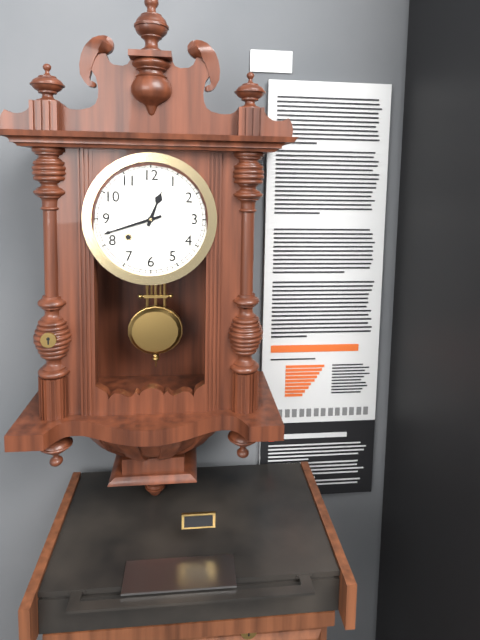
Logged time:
12h42
